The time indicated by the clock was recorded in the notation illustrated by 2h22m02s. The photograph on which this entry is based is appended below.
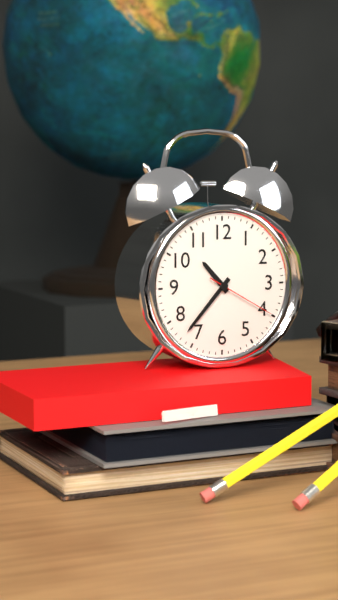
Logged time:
10h37m20s
